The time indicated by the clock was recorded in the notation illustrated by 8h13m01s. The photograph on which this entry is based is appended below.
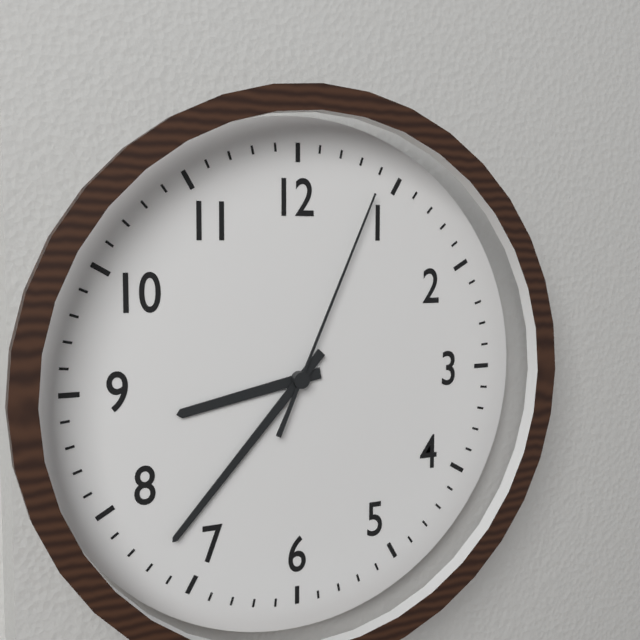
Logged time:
8h37m04s
